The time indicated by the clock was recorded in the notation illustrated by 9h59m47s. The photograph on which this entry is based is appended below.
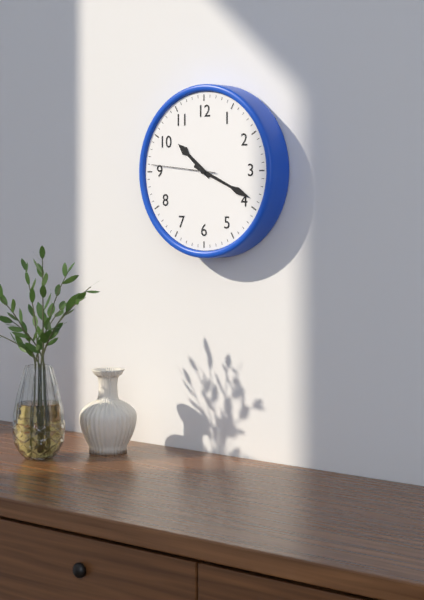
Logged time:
10h19m46s
